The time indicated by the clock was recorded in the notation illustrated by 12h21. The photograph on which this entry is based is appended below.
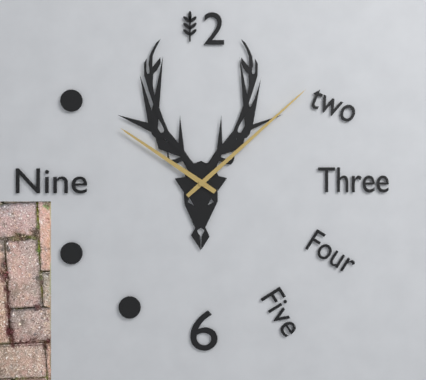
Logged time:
10h08
